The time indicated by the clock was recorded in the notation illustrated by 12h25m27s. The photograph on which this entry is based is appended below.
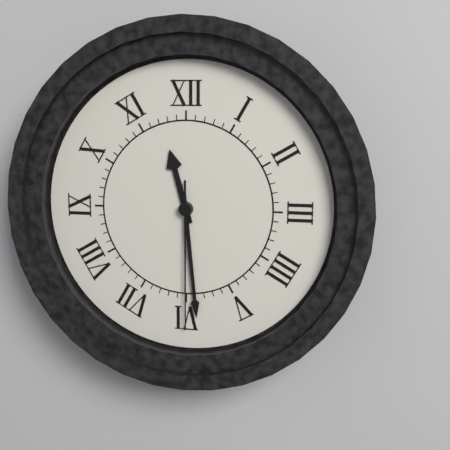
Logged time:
11h29m30s
